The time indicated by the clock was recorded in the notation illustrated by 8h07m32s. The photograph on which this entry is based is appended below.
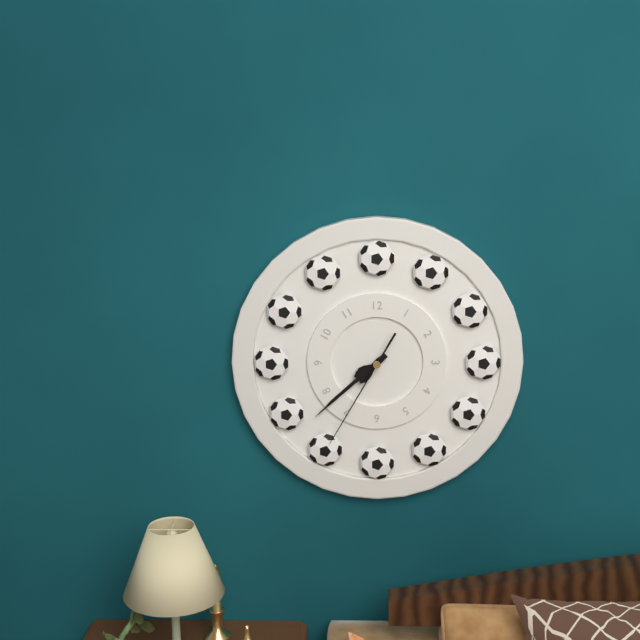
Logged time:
7h38m35s
